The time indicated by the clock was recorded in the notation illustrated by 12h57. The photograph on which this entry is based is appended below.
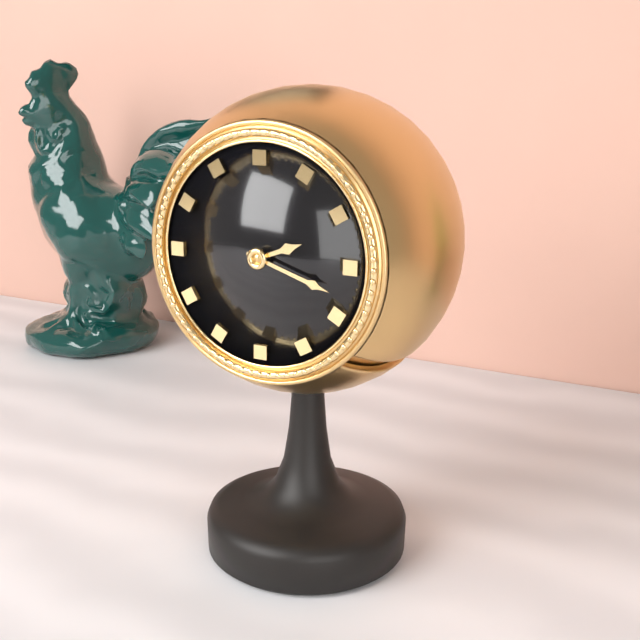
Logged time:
2h18
